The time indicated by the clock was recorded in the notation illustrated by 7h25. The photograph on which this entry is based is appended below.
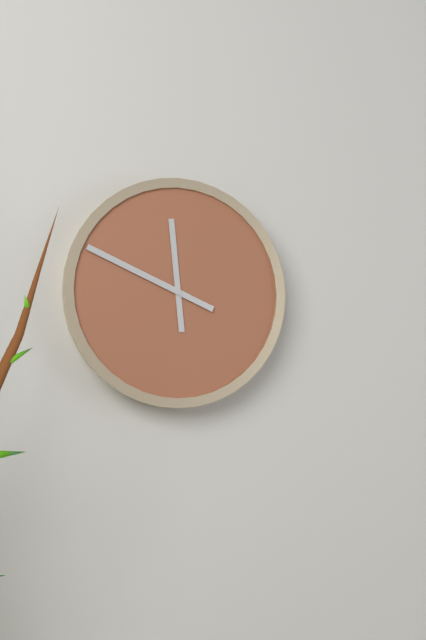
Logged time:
11h49
